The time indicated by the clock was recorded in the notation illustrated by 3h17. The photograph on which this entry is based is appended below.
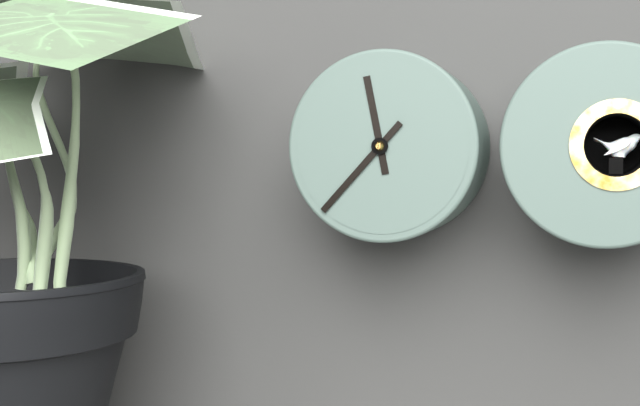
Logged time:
11h37
